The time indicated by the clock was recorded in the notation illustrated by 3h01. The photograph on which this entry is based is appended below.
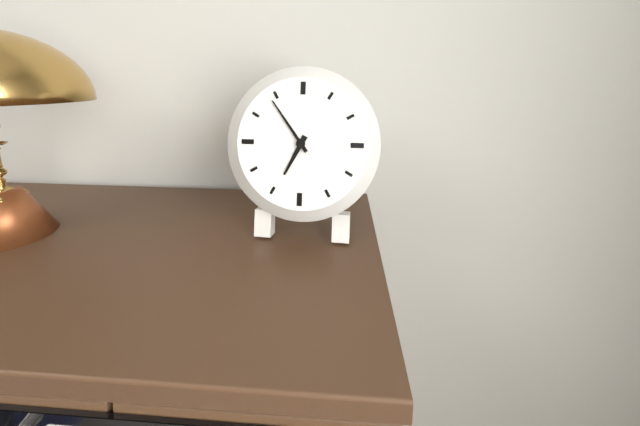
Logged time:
6h54
